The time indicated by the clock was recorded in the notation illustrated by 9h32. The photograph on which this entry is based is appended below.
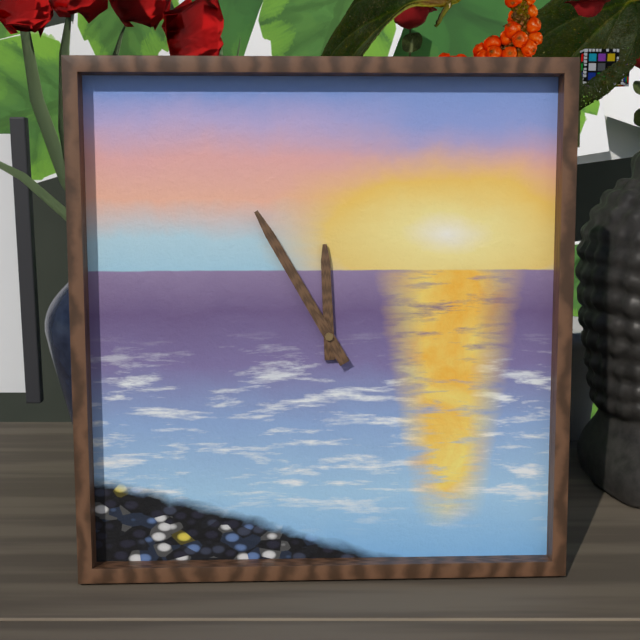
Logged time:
11h55
